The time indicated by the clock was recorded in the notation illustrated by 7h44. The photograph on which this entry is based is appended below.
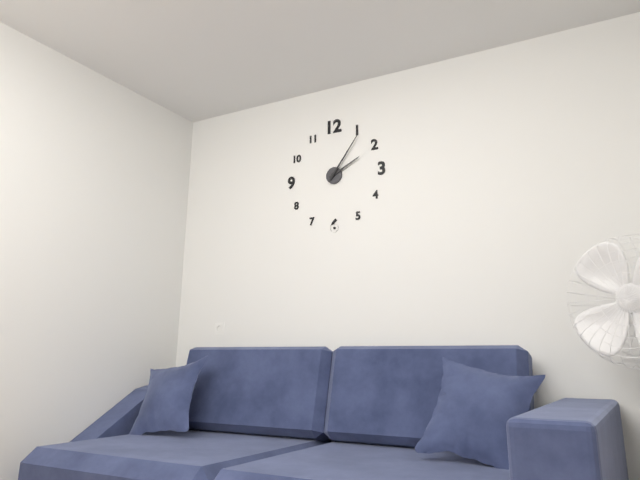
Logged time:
2h06
